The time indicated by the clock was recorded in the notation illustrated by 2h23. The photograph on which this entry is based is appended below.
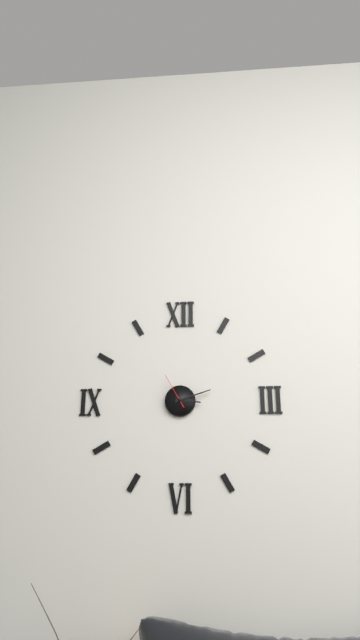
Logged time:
3h12
